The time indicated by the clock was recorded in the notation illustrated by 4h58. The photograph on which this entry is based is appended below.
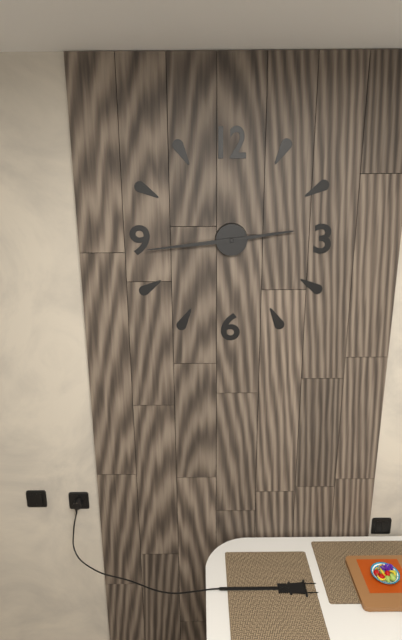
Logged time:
2h44
